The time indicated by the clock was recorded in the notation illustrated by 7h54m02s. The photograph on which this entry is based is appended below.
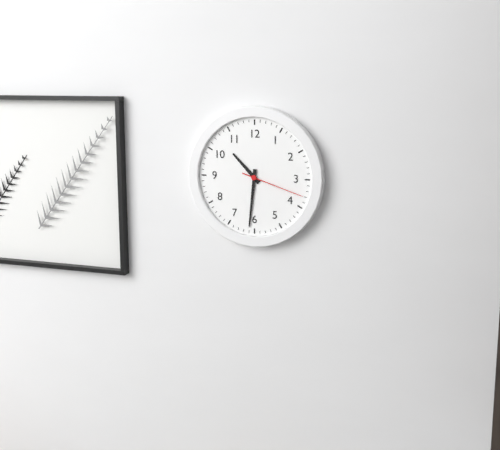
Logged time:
10h31m18s
